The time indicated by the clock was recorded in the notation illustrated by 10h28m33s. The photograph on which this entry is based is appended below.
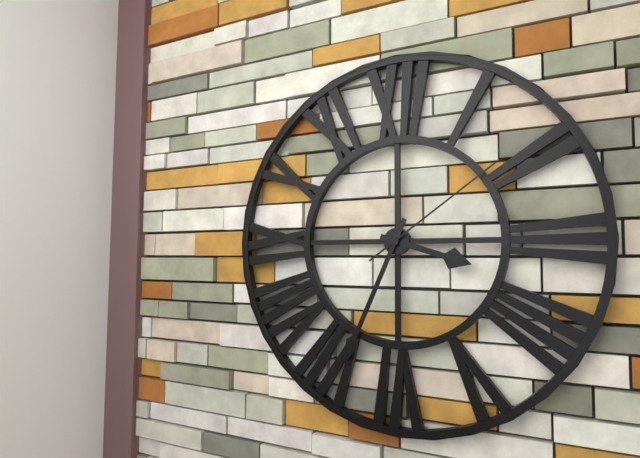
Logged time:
3h34m09s
